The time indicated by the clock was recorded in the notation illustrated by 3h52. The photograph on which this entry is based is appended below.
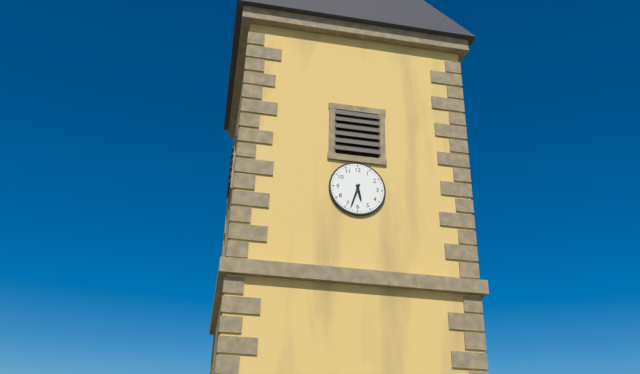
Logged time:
5h33
